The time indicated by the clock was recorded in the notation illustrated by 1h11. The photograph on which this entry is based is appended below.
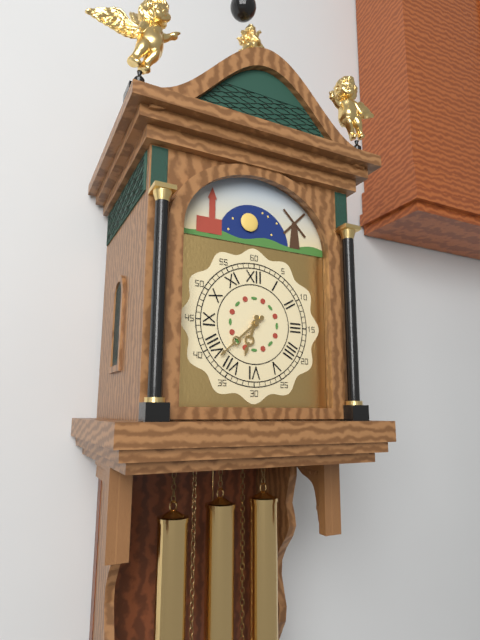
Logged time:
6h38
